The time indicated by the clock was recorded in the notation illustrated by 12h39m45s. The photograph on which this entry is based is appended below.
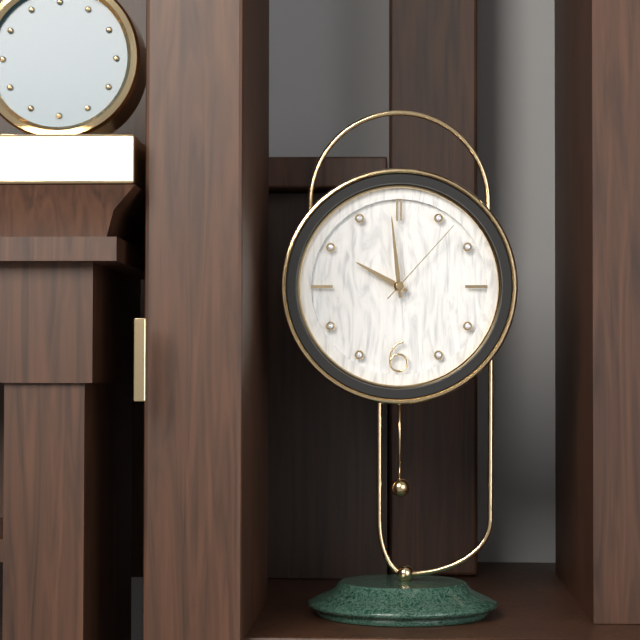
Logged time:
9h59m07s
